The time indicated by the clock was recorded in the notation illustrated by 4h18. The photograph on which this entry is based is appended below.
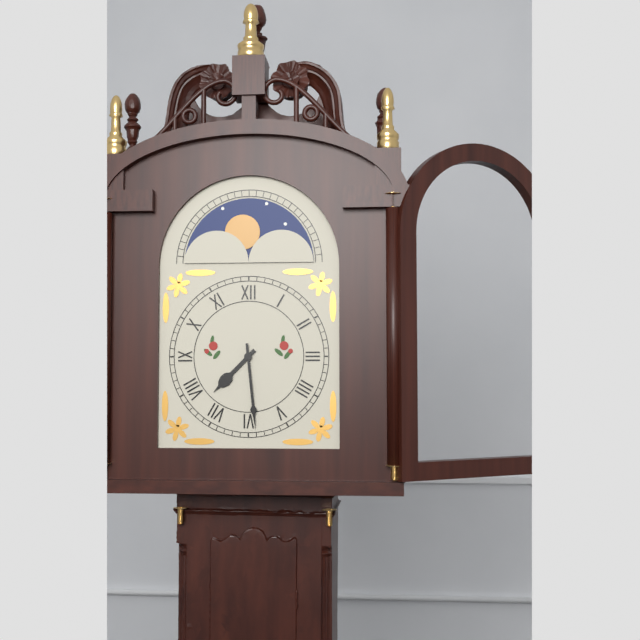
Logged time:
7h29
